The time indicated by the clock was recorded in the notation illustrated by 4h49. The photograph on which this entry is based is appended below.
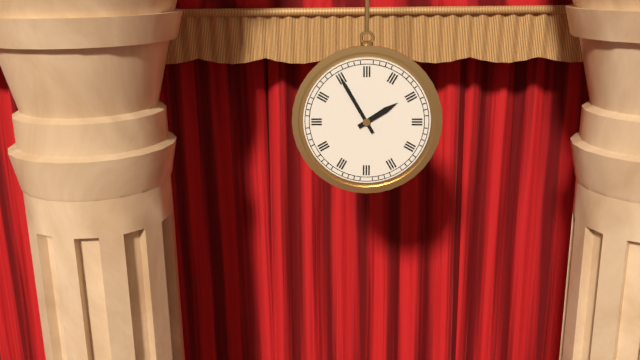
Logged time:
1h55
